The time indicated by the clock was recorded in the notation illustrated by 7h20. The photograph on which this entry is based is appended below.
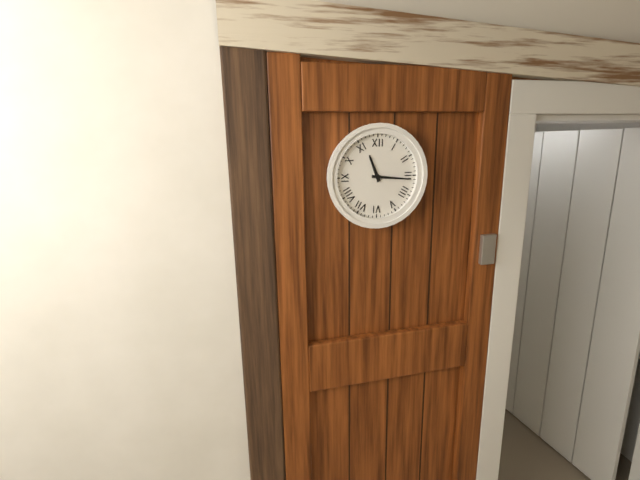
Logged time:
11h16
